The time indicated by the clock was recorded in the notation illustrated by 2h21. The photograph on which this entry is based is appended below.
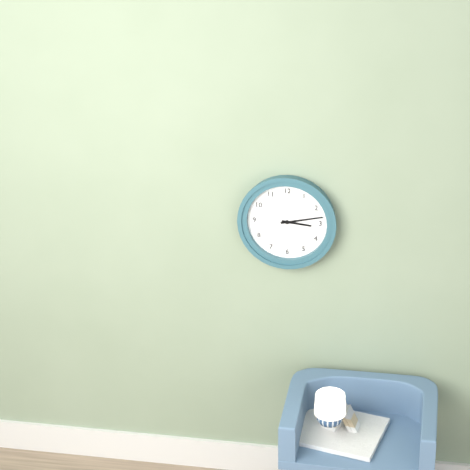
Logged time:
3h13
